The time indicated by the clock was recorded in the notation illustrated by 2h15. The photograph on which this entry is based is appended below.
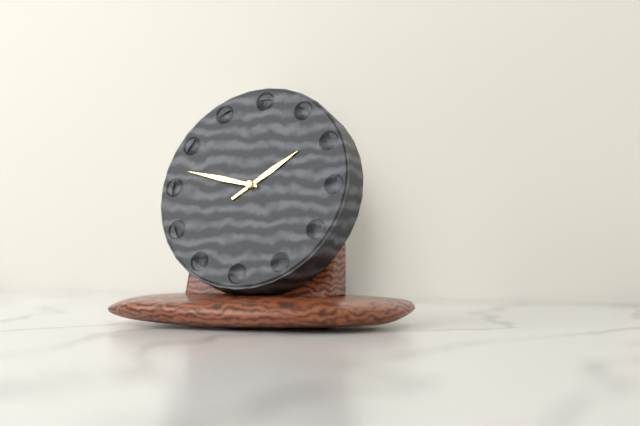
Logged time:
1h47
